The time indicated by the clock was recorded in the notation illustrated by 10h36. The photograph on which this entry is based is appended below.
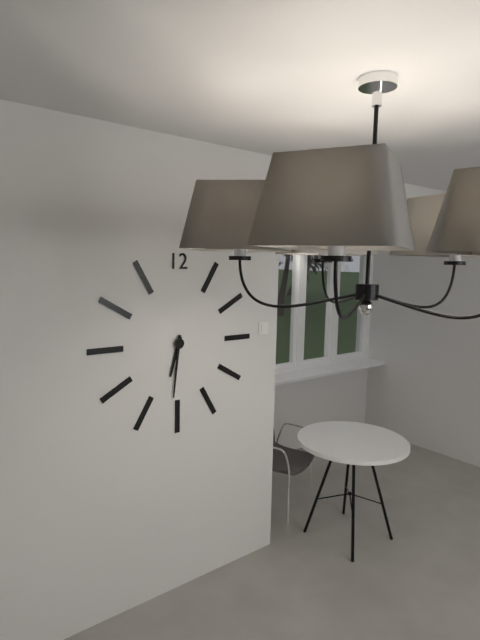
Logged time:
6h31
